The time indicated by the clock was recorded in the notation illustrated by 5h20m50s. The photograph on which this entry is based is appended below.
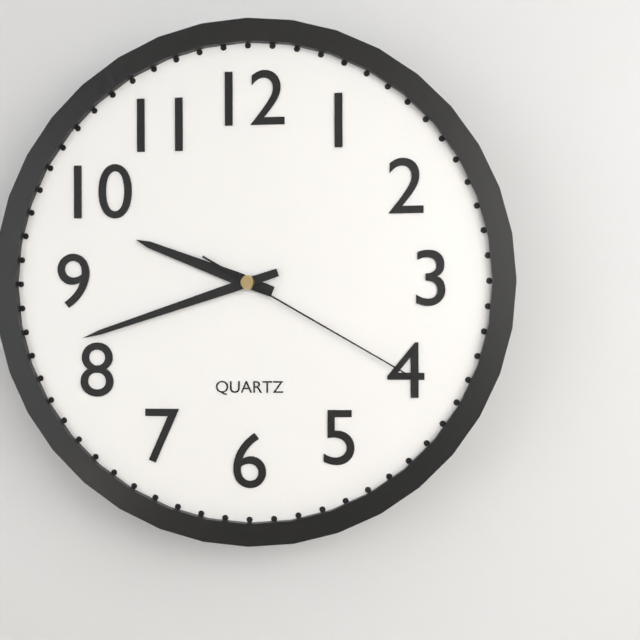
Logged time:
9h42m20s
